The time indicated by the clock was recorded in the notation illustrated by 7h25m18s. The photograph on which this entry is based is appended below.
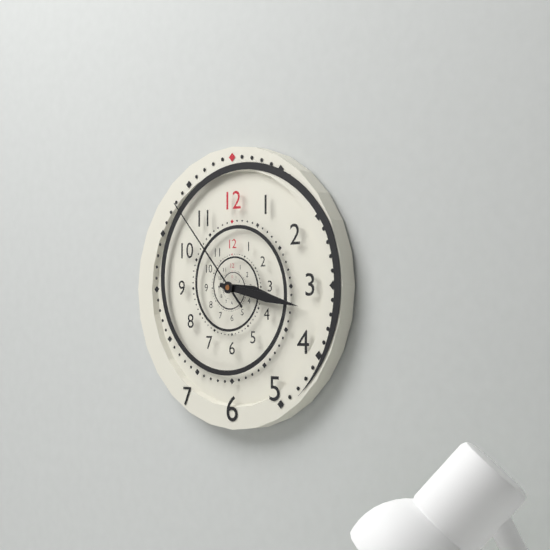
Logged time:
3h17m53s
